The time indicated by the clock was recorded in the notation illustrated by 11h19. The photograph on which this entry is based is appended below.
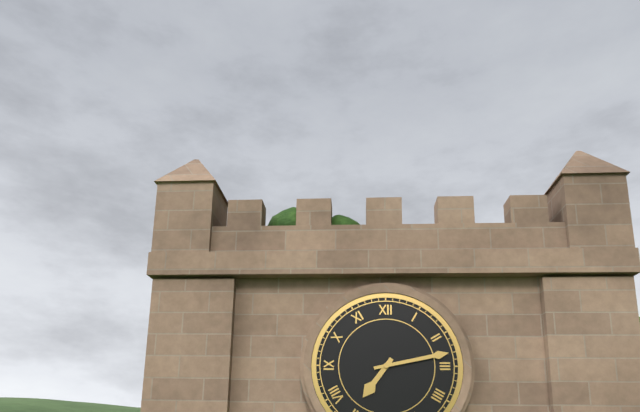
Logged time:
7h13
